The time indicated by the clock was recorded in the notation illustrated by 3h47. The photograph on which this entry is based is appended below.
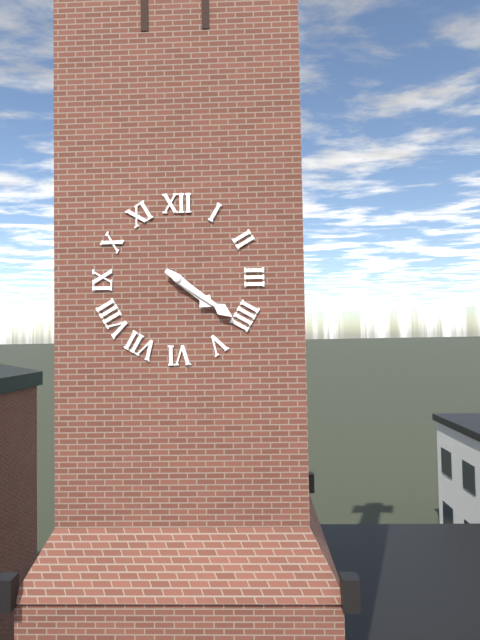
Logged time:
4h21
